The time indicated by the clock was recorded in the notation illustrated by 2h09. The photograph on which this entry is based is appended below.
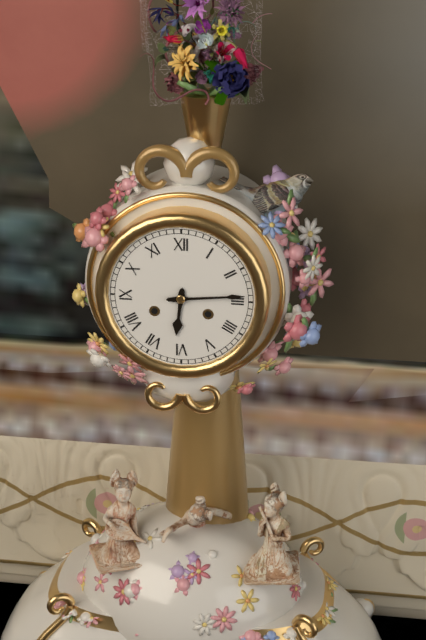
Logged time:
6h14
